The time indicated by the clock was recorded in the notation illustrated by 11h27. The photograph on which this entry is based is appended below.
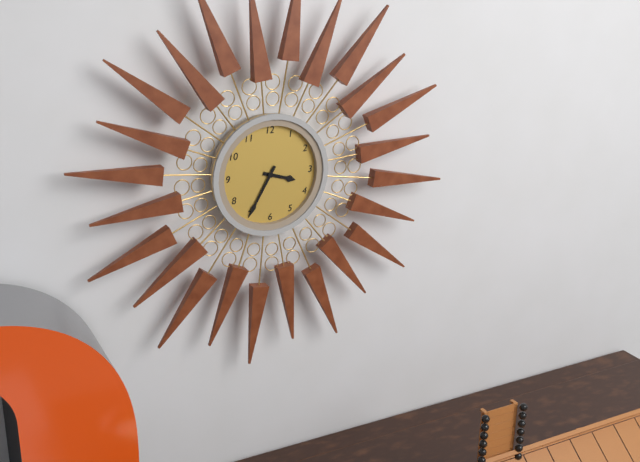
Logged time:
3h35
